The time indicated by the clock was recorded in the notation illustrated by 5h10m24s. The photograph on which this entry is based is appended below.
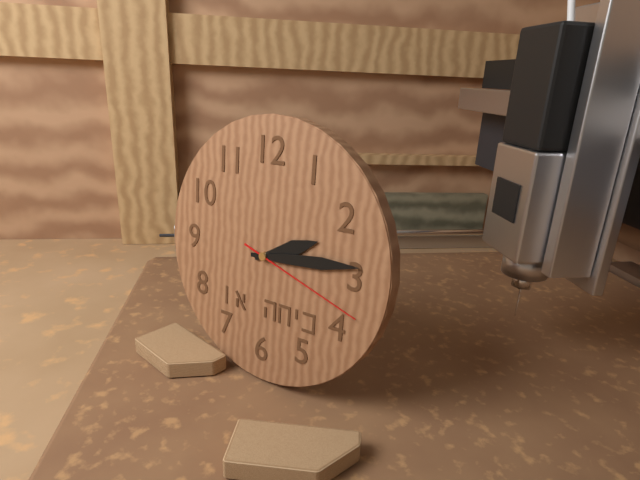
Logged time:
2h14m18s
